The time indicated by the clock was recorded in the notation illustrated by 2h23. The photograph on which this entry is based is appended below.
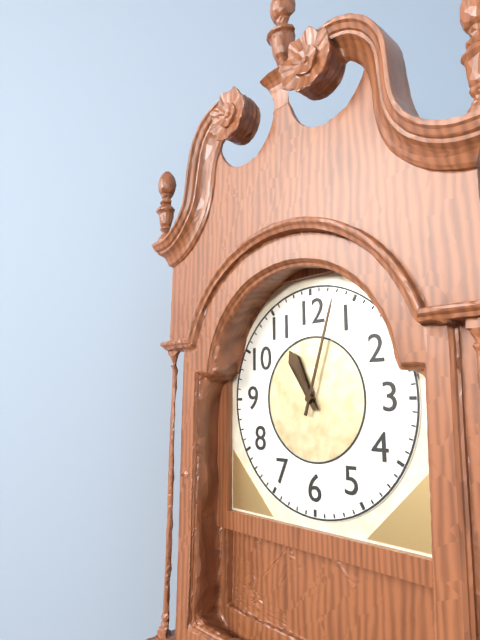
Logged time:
11h03
